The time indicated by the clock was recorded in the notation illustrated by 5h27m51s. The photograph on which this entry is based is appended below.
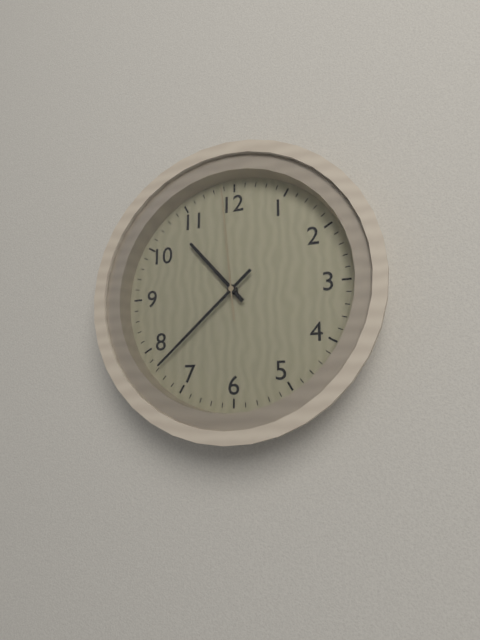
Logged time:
10h38m59s
